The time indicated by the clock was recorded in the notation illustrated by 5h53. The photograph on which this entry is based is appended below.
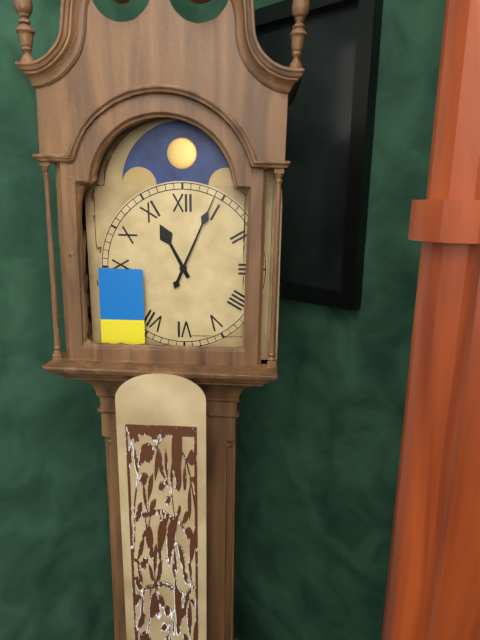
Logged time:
11h04
